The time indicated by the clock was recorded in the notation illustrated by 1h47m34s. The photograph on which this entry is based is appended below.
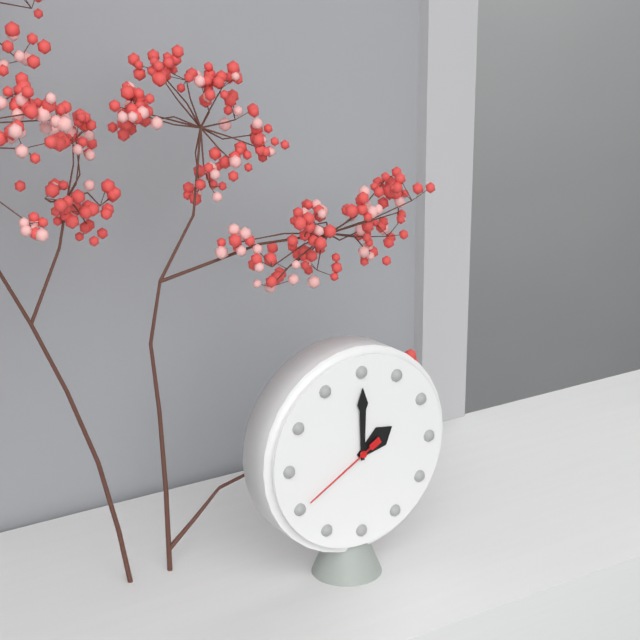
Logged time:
2h00m40s
